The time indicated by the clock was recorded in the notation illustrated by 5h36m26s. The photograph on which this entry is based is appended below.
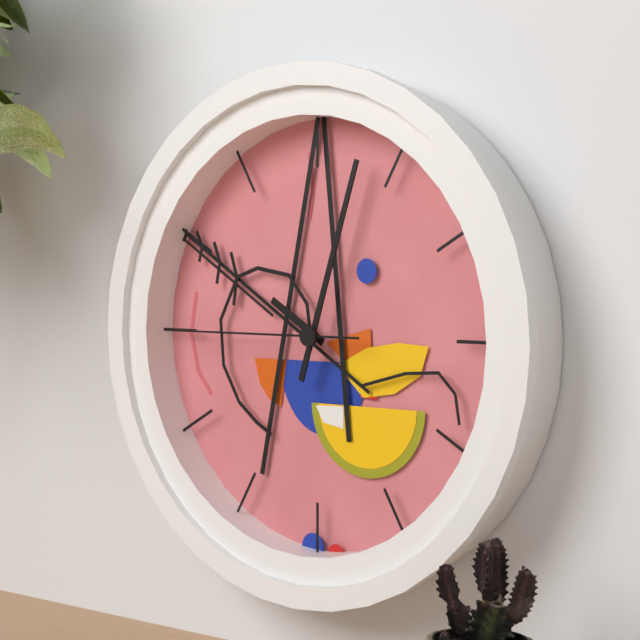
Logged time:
10h03m45s
